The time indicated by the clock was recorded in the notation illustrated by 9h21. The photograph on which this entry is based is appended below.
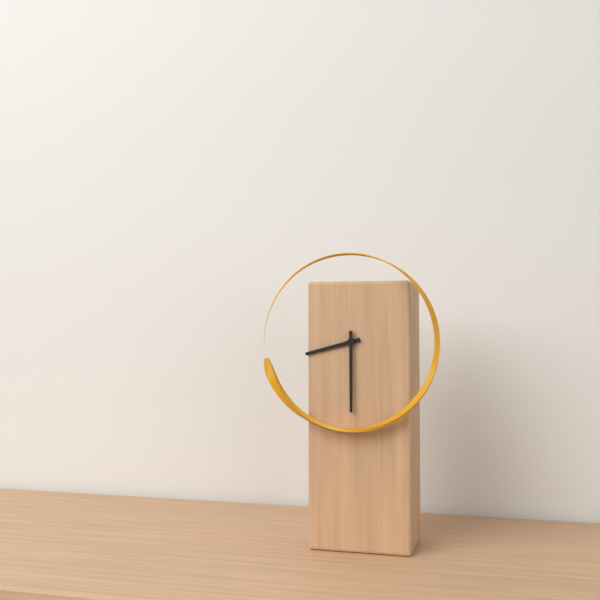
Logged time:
8h30
